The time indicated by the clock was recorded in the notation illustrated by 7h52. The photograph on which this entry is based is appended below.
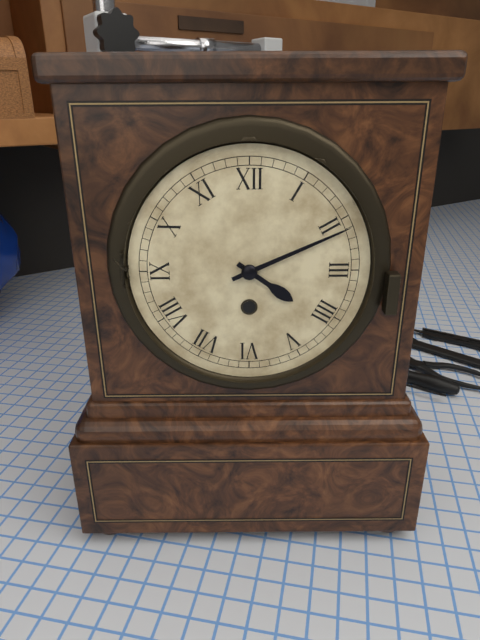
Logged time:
4h11
